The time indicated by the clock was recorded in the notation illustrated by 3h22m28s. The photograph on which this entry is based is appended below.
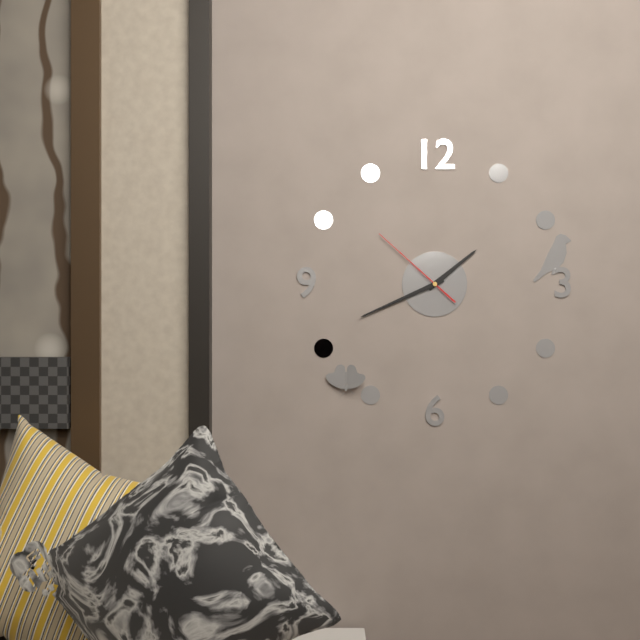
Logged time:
1h41m52s
